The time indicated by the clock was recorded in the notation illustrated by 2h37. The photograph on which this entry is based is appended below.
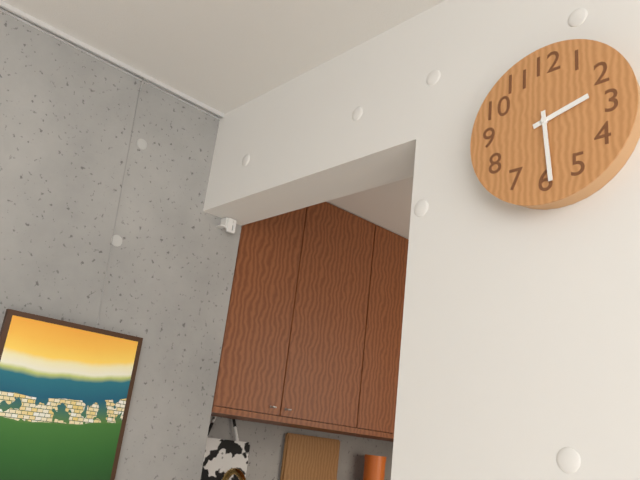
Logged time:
2h29
